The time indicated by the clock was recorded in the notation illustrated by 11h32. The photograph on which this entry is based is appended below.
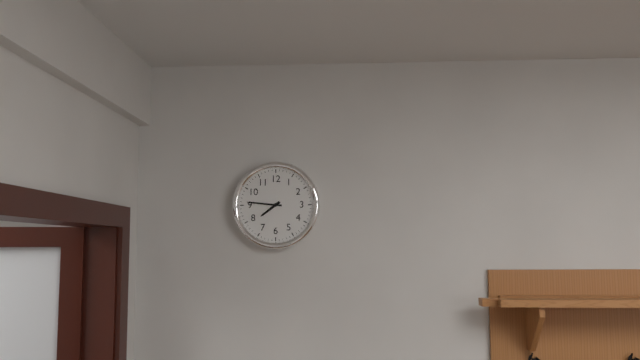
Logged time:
7h46
